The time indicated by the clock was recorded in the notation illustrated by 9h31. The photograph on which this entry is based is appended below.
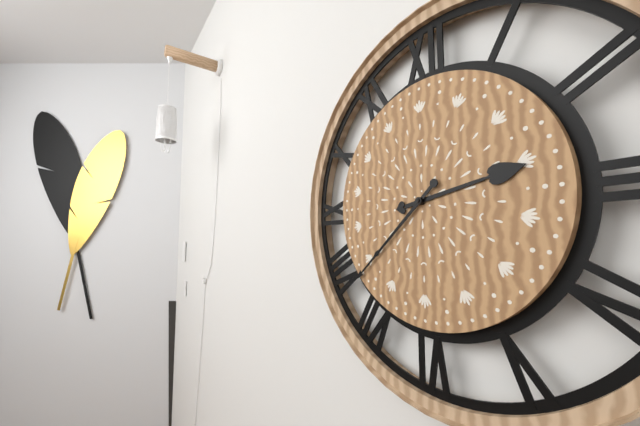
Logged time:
2h38
